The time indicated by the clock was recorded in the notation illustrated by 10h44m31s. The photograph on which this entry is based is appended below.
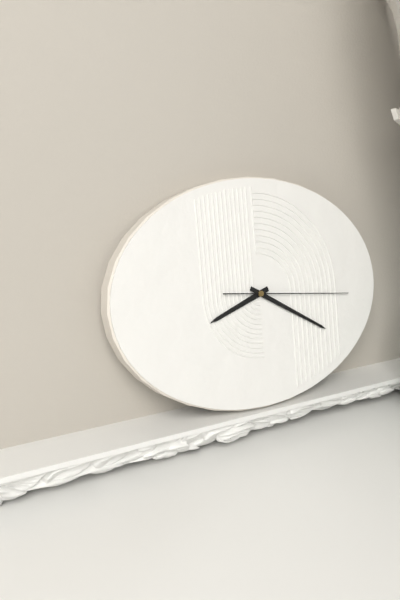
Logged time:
8h20m16s
